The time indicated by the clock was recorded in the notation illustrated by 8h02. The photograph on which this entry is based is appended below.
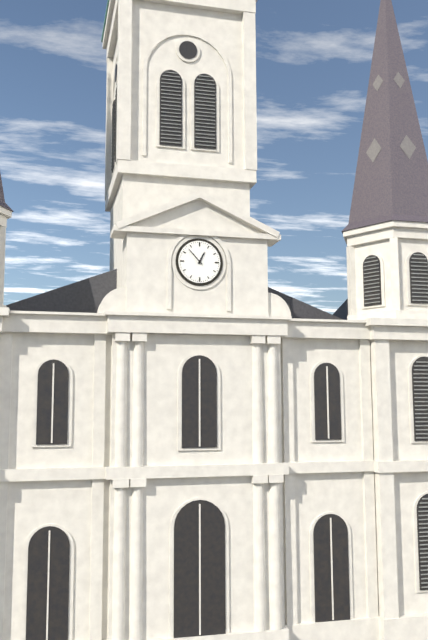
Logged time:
12h53
